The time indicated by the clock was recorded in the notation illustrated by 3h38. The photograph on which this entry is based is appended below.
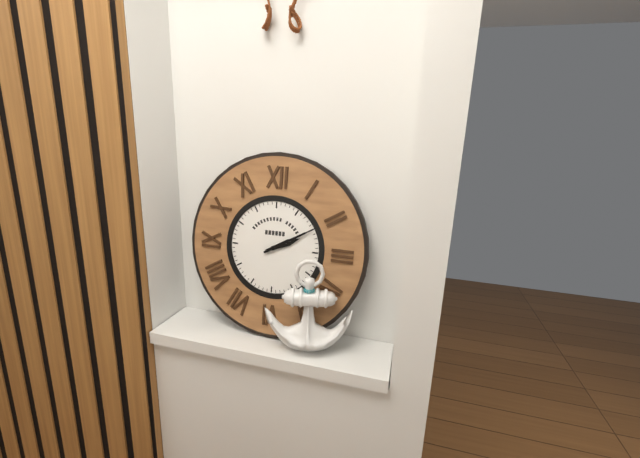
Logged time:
2h10
